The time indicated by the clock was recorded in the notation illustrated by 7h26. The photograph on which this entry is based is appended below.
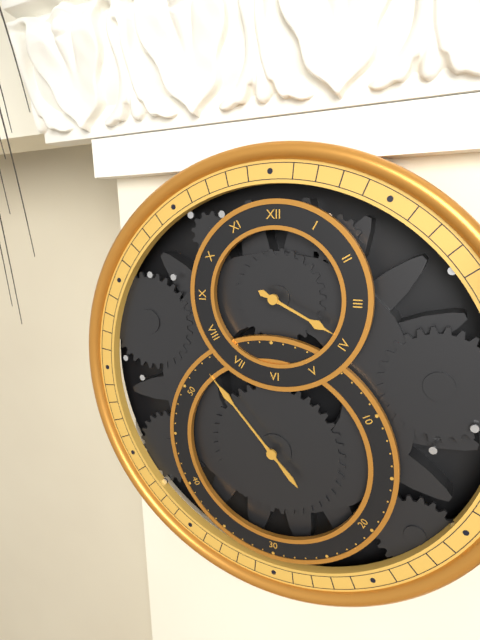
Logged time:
3h53
